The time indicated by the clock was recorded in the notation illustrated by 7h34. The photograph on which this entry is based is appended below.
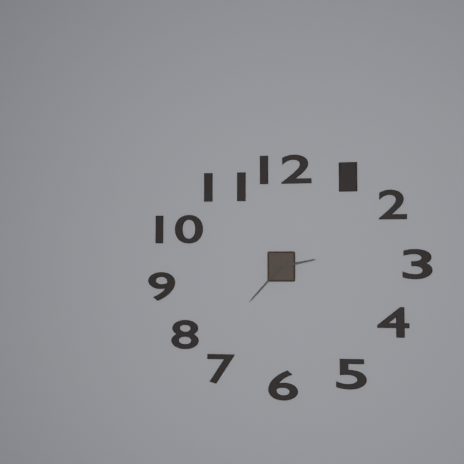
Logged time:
2h37
